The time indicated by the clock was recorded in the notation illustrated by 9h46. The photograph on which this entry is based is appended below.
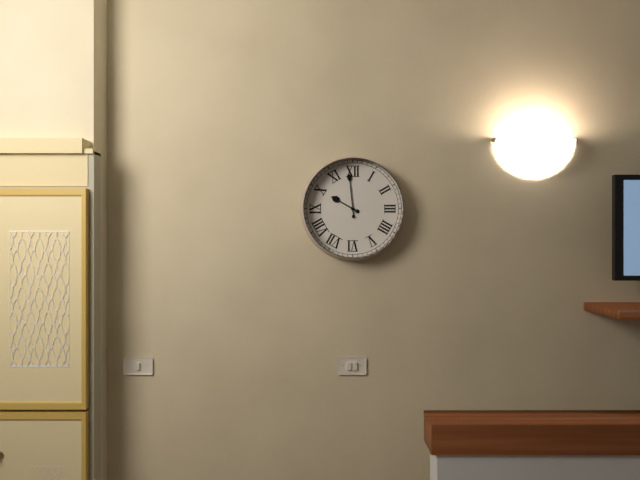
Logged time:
9h59
